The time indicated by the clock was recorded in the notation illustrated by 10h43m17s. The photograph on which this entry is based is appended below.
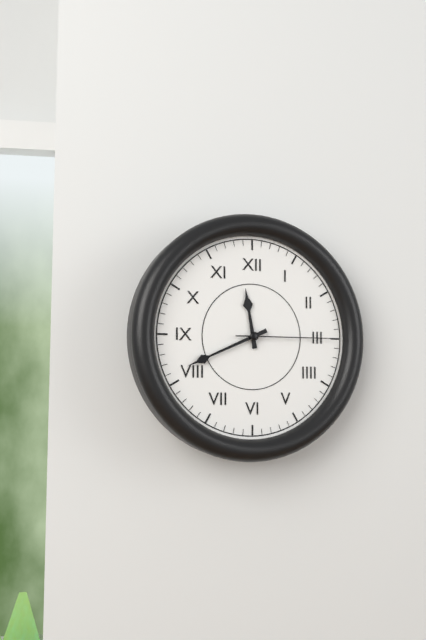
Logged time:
11h41m15s
